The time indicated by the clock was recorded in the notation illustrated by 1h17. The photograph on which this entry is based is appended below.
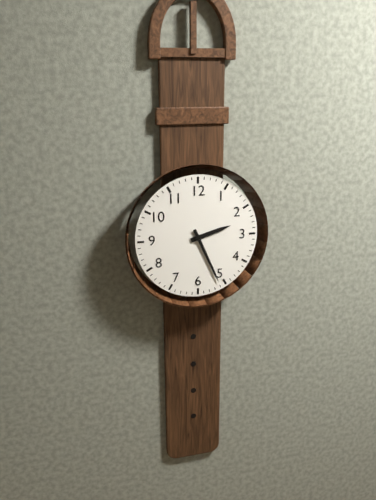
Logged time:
2h26
